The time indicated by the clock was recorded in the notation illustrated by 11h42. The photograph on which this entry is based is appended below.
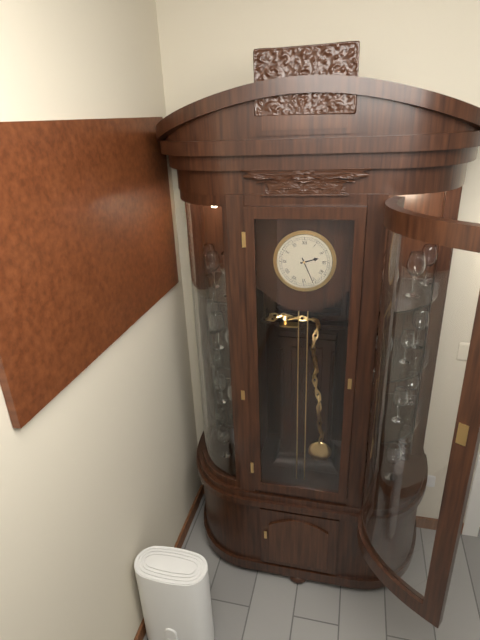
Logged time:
2h26
